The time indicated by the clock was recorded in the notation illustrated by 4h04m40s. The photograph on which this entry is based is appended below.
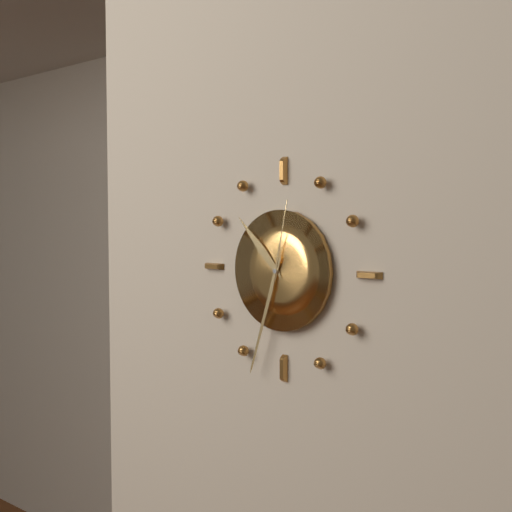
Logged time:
10h33m02s
